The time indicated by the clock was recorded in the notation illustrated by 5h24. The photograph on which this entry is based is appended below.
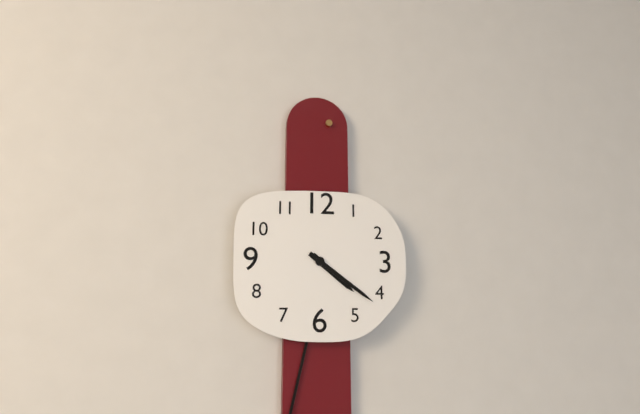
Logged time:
4h21
